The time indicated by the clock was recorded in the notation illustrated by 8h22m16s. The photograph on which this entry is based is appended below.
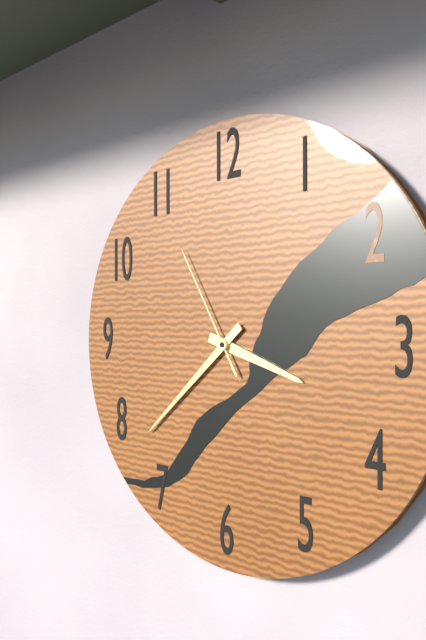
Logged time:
3h38m55s
